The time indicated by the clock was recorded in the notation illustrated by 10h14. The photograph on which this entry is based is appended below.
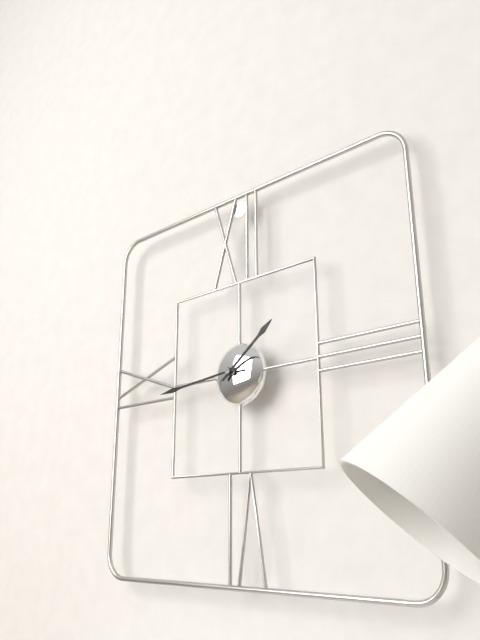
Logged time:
1h44
